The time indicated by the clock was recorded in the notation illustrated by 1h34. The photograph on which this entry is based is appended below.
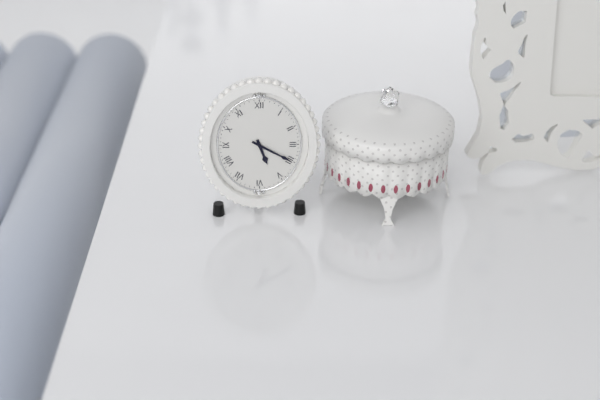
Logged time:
5h20
